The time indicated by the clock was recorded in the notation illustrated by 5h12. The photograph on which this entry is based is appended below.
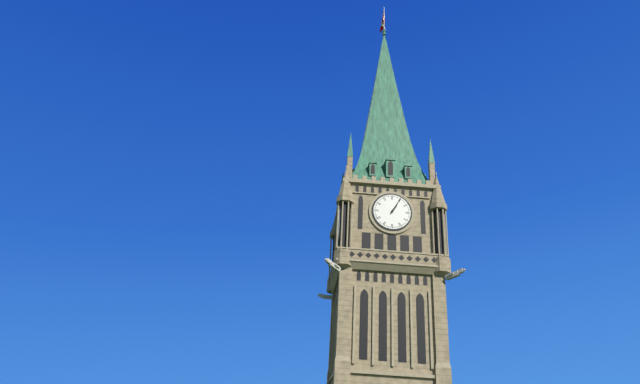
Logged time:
1h05
